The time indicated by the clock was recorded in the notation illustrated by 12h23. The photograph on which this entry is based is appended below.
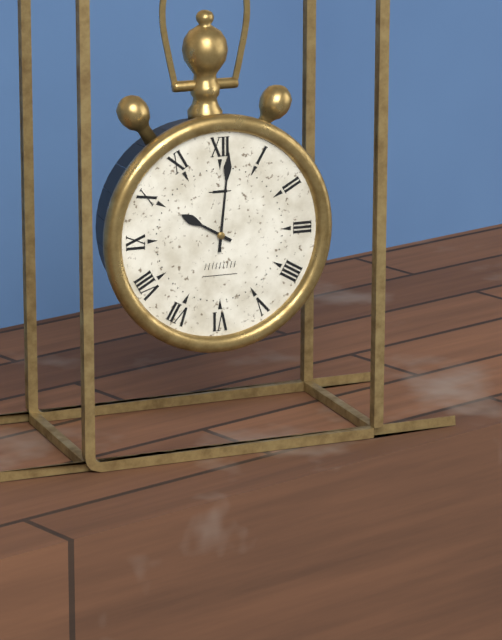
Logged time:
10h01
